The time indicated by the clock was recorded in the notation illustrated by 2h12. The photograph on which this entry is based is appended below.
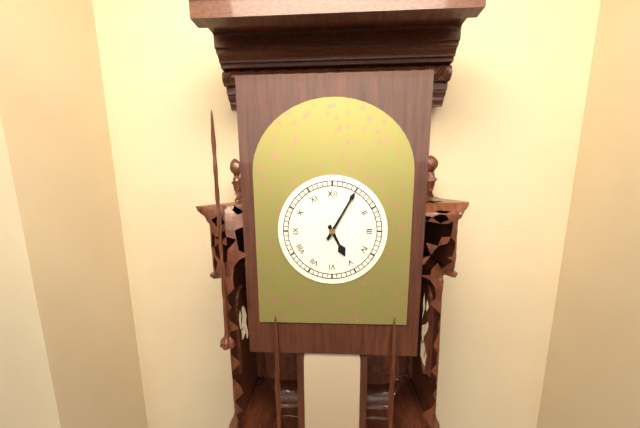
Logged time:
5h05
